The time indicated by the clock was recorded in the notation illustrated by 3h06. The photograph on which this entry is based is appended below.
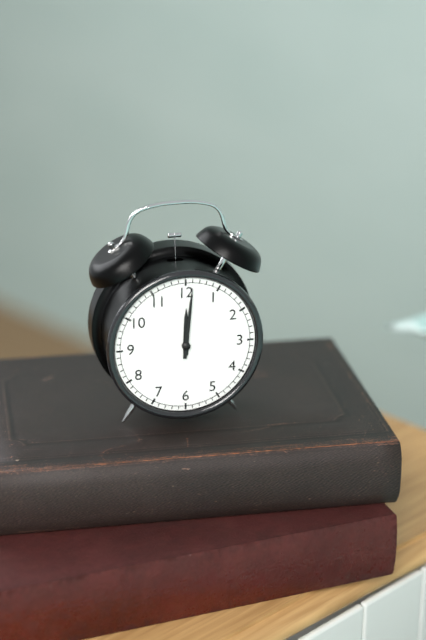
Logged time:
12h01
